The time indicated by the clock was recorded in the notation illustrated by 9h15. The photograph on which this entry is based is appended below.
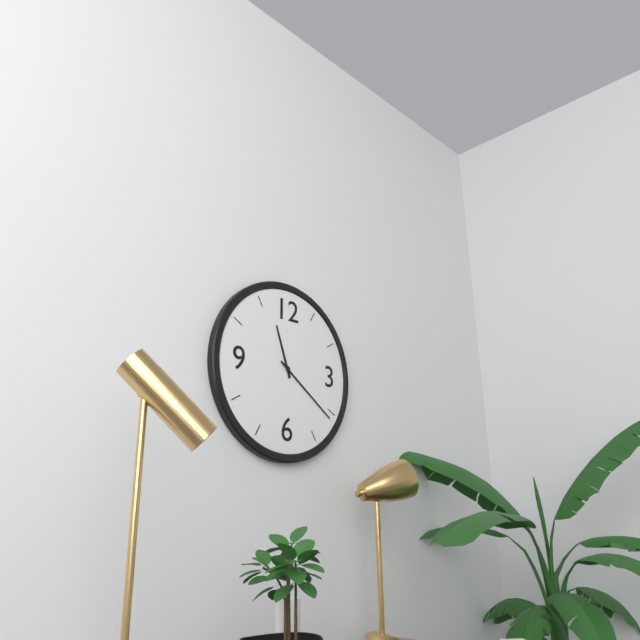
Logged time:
11h21
